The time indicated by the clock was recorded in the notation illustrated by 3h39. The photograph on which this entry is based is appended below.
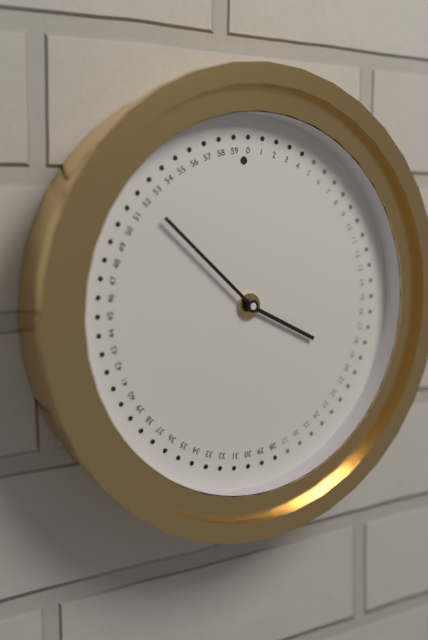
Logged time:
3h52
